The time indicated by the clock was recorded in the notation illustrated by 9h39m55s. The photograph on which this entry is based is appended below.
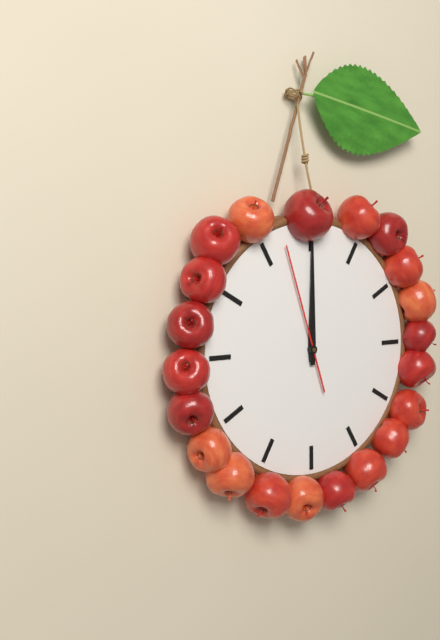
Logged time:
12h00m57s
